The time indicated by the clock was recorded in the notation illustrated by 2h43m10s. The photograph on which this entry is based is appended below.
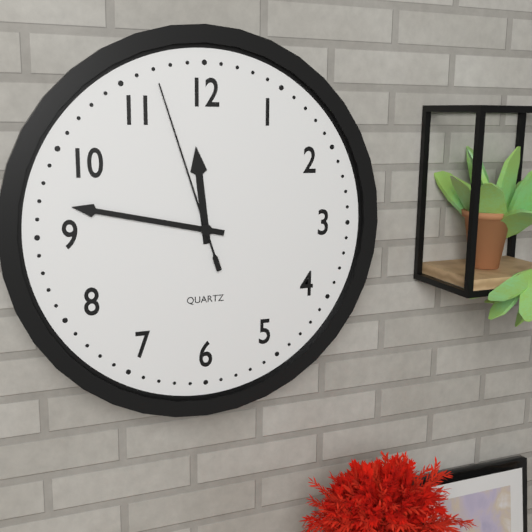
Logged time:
11h47m57s
